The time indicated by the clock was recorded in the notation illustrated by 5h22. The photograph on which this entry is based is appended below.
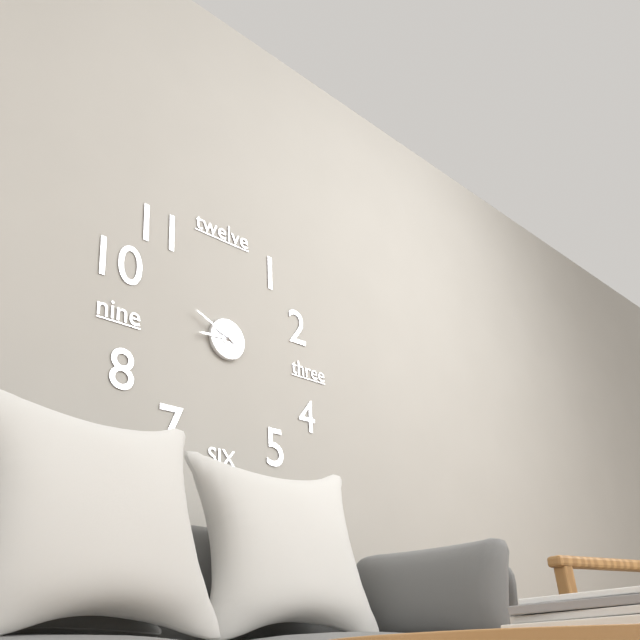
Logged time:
8h49
